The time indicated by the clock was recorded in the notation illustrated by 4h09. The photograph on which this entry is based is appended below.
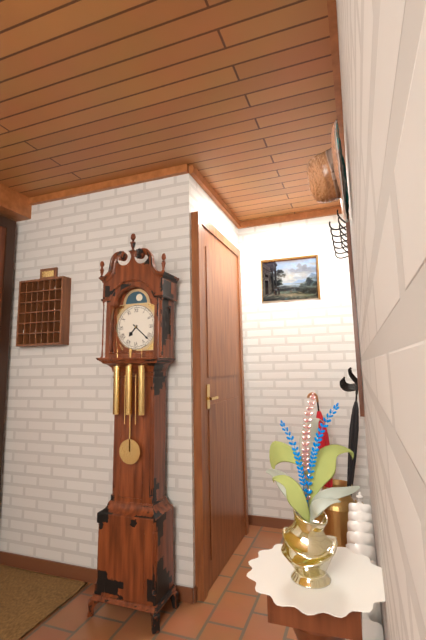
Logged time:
7h22
